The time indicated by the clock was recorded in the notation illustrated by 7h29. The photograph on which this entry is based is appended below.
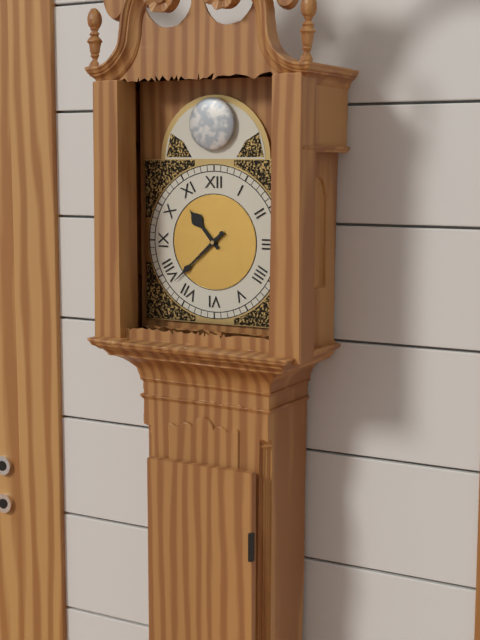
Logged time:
10h38
